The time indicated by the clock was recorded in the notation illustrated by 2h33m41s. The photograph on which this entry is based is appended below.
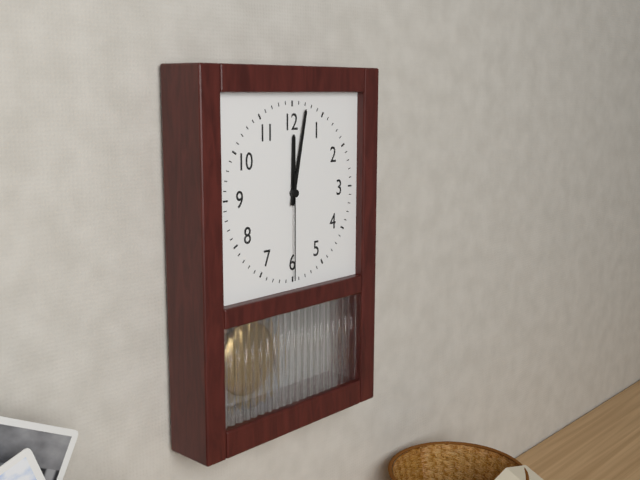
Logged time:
12h02m30s
